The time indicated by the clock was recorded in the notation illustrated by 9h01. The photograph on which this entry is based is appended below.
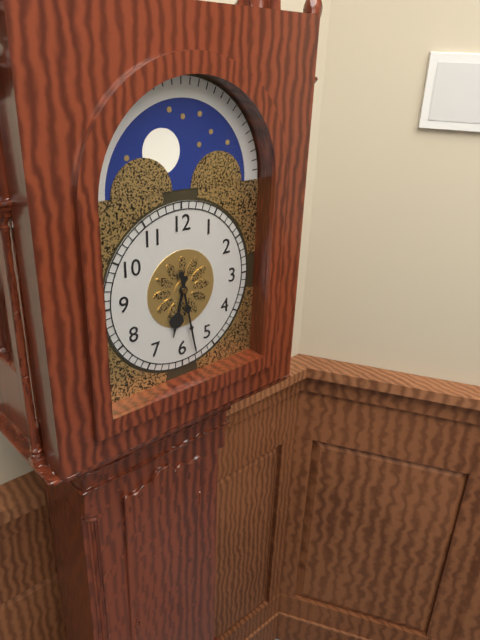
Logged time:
6h28
